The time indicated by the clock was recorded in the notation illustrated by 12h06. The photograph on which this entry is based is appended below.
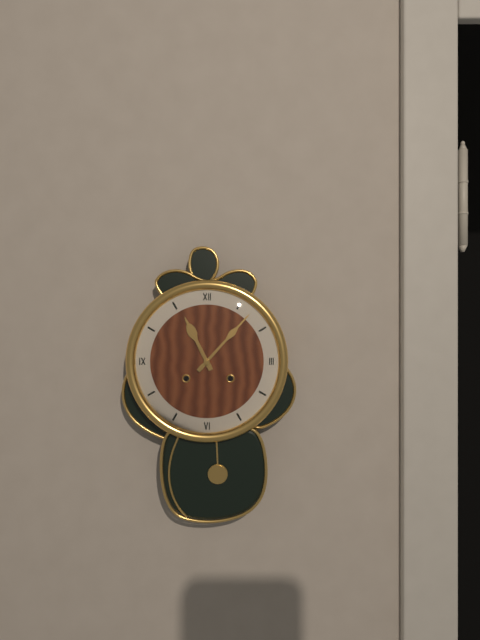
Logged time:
11h07
